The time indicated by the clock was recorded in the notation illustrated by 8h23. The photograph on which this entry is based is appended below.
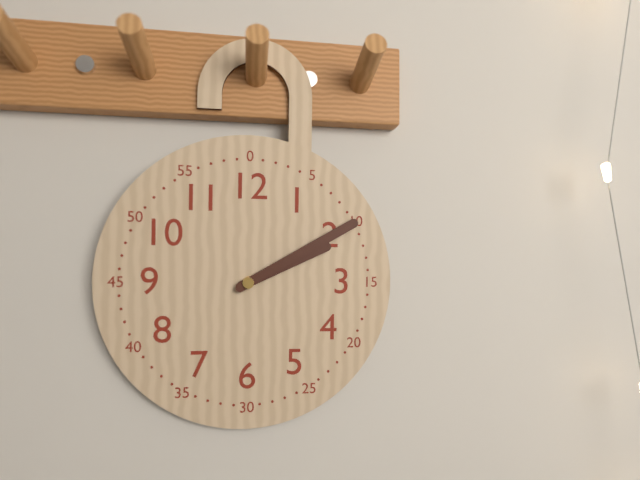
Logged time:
2h10
